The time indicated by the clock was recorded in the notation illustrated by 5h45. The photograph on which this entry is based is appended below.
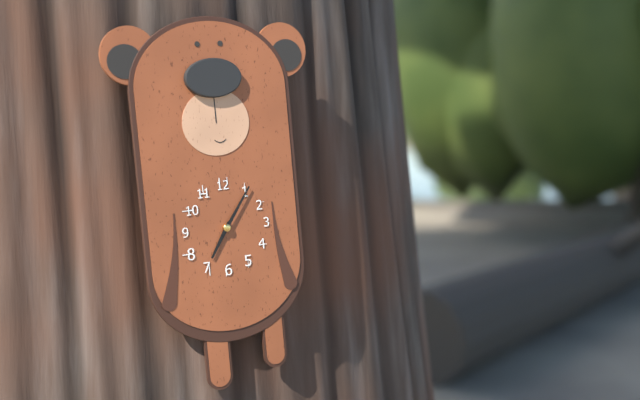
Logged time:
7h06
